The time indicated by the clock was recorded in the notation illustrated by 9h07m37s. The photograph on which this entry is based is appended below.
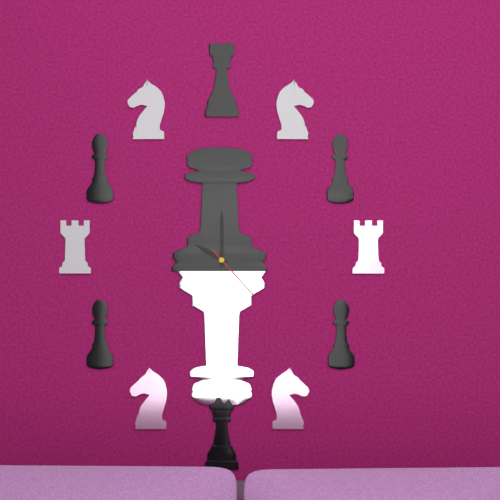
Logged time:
10h00m23s
